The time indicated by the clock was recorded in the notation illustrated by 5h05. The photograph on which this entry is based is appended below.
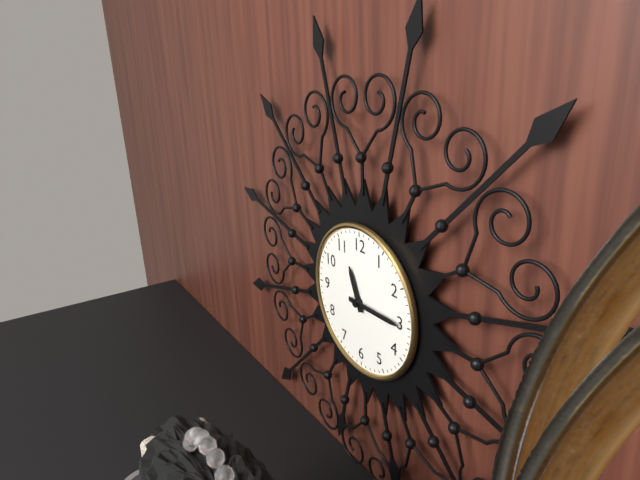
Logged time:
11h15
